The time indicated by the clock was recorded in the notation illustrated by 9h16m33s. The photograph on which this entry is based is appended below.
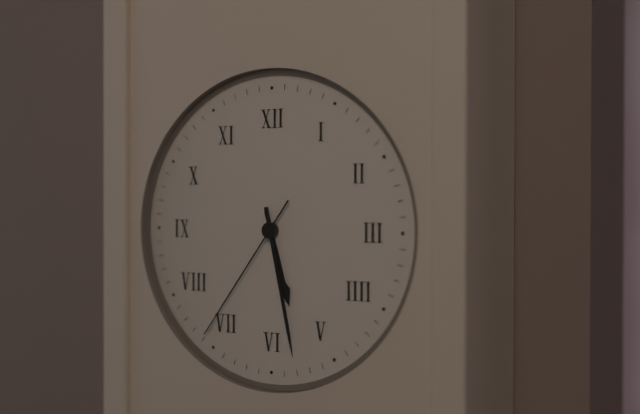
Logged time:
5h28m36s
